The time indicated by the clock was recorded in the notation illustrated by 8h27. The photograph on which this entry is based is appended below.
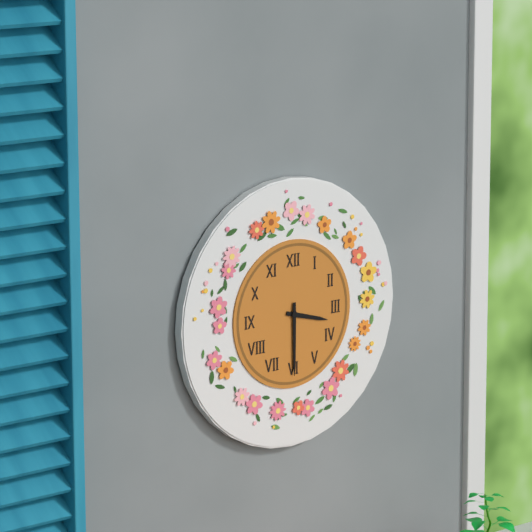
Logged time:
3h30
